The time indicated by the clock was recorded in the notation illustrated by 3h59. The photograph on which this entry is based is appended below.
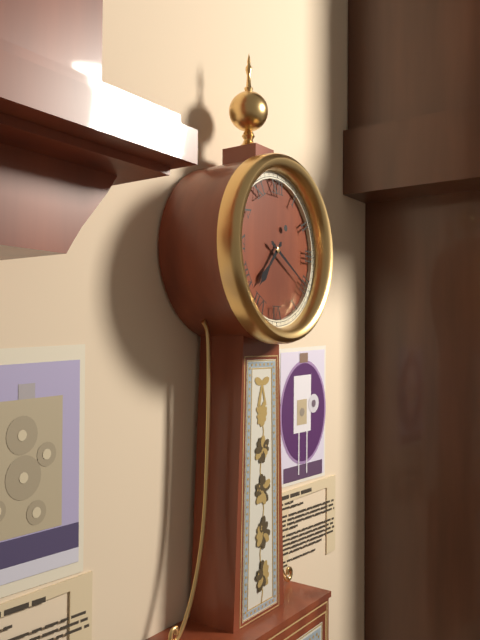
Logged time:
7h20
